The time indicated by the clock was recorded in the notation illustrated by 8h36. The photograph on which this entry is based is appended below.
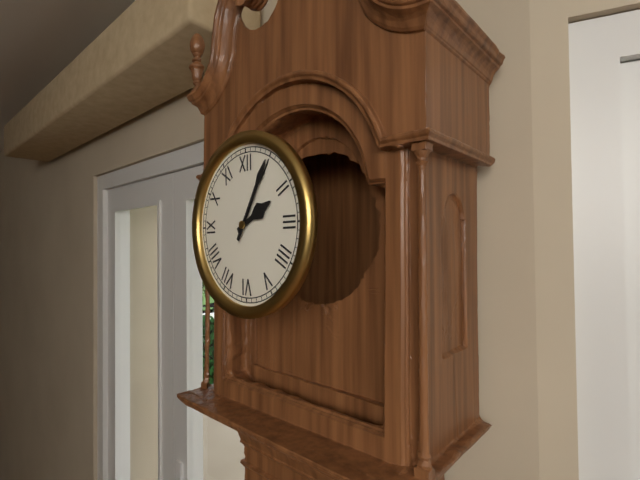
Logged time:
2h05
